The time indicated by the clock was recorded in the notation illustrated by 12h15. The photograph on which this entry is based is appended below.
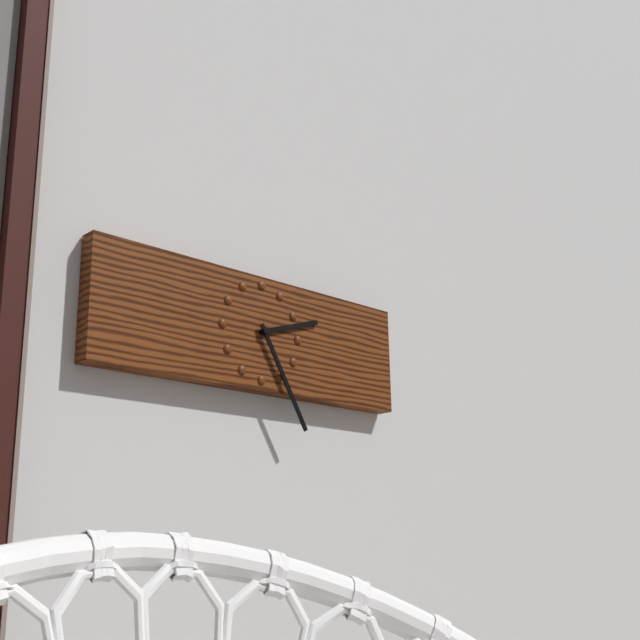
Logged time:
2h25
